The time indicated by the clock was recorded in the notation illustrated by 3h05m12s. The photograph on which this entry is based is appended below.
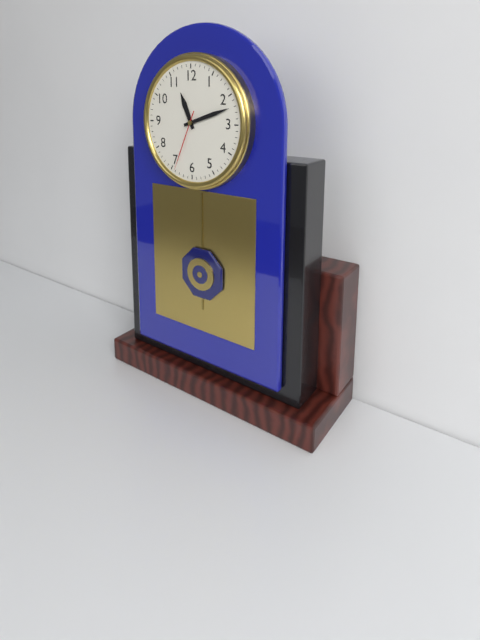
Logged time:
11h12m34s
